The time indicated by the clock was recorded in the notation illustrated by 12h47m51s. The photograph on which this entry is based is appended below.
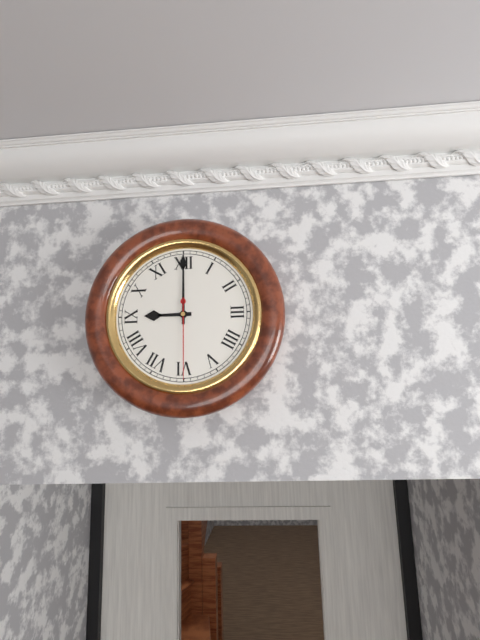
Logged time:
9h00m30s
